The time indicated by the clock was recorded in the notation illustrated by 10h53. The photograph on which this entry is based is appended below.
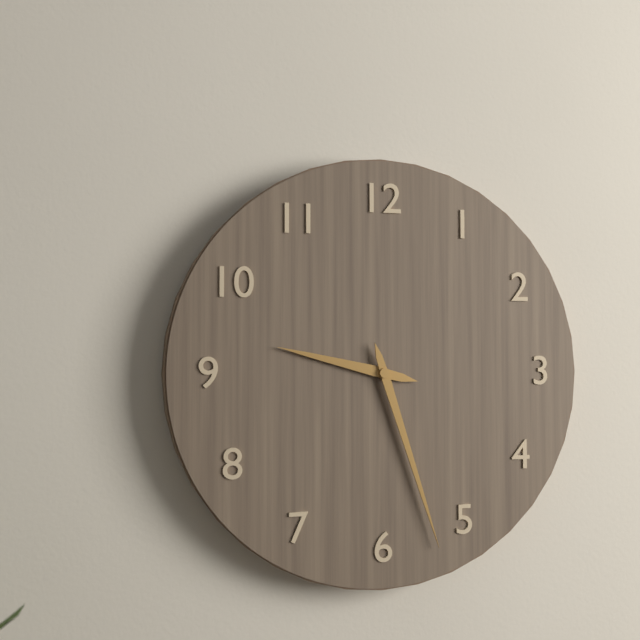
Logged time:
9h27
